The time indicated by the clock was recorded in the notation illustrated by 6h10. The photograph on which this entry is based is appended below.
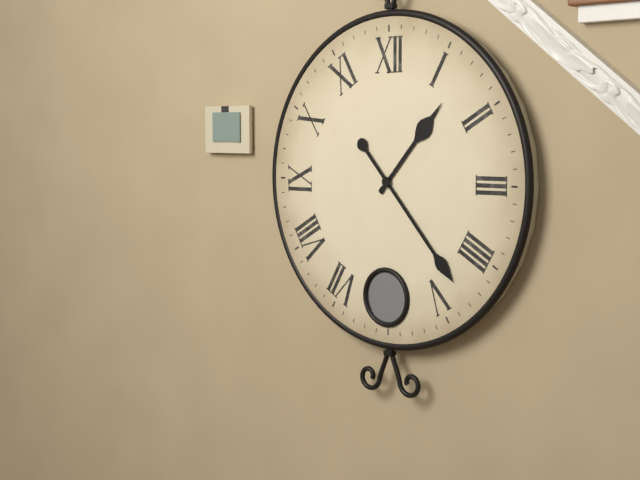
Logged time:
1h23
